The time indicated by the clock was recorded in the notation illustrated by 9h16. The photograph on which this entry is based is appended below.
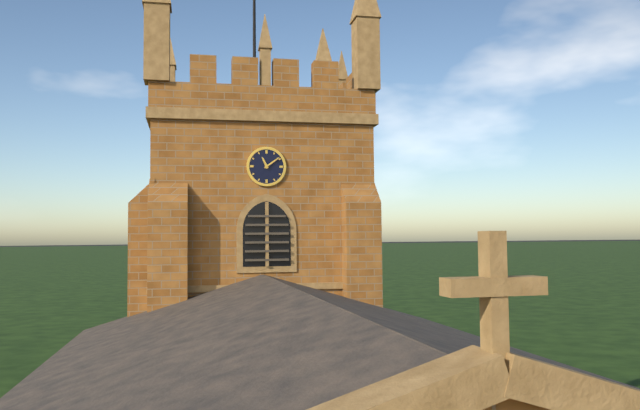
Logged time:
11h09
